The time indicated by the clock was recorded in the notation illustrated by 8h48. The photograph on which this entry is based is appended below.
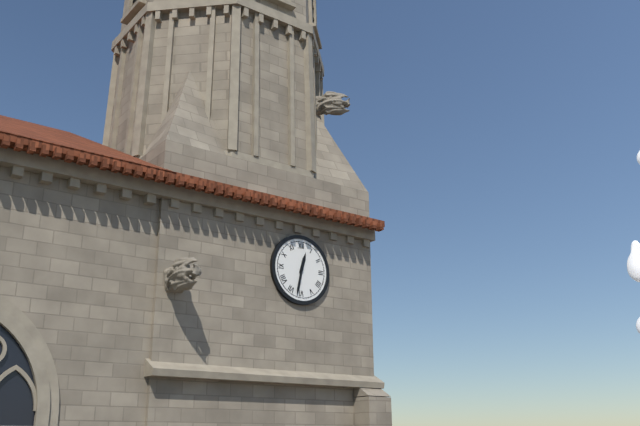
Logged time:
12h32
